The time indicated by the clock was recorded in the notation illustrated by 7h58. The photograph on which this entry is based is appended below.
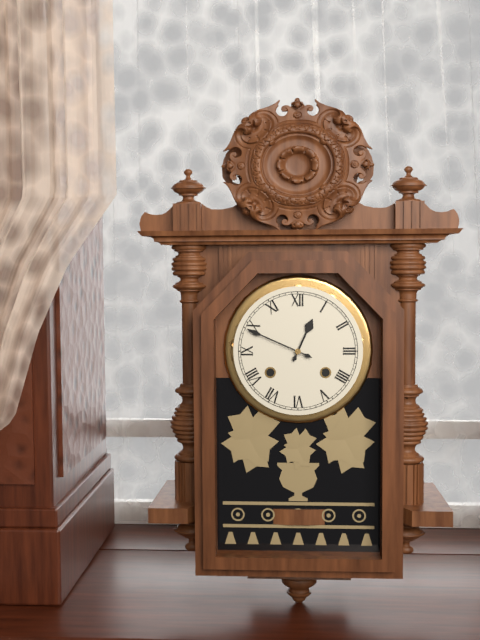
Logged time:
12h49
